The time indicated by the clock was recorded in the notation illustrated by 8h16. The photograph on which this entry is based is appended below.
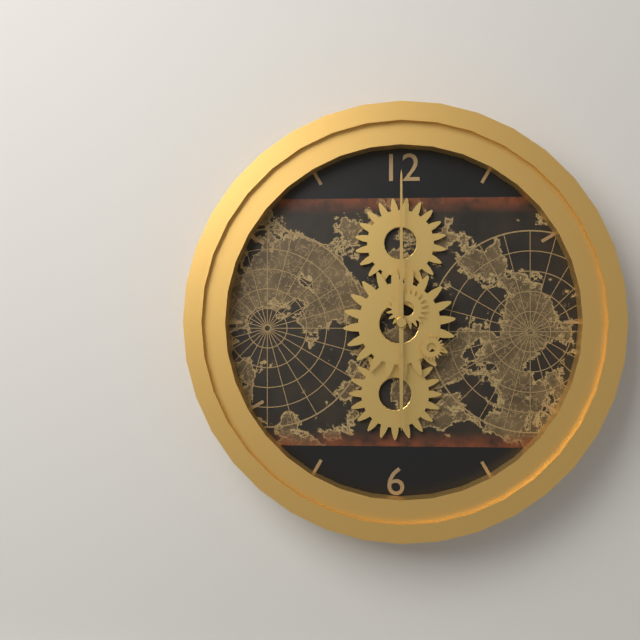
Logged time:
6h00
